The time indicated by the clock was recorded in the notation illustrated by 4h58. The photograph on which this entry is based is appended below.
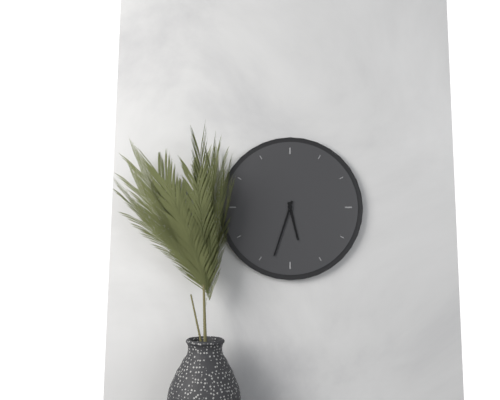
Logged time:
5h33
